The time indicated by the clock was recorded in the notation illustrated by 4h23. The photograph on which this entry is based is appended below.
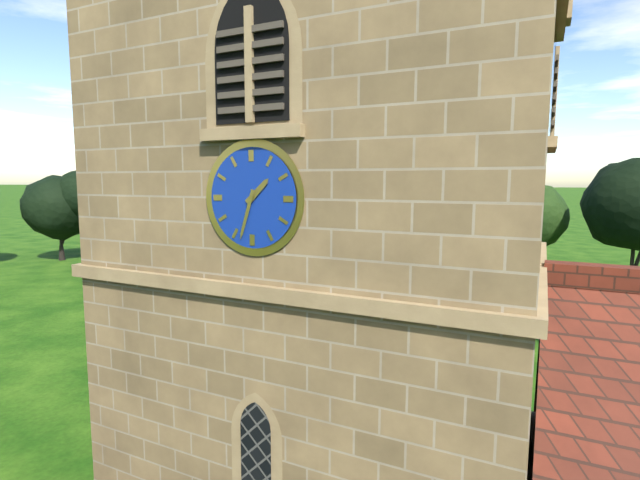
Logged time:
1h33
